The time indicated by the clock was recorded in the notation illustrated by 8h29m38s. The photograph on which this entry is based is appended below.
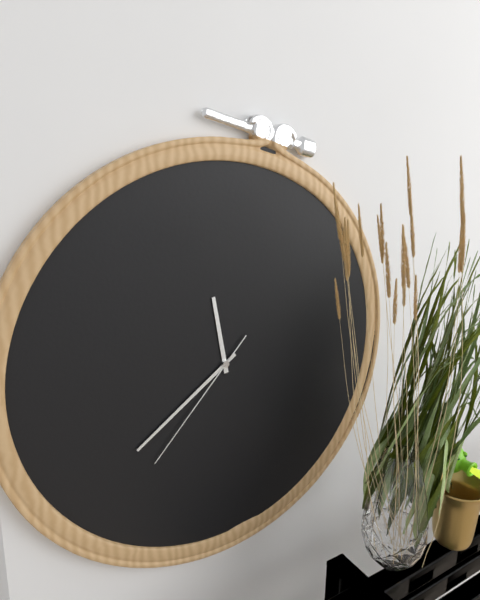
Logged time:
11h39m37s
